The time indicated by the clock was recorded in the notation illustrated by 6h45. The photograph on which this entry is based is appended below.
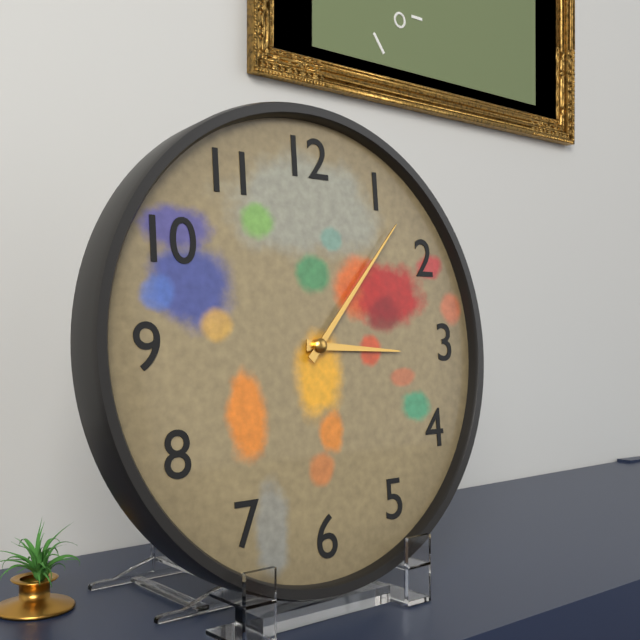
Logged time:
3h07
